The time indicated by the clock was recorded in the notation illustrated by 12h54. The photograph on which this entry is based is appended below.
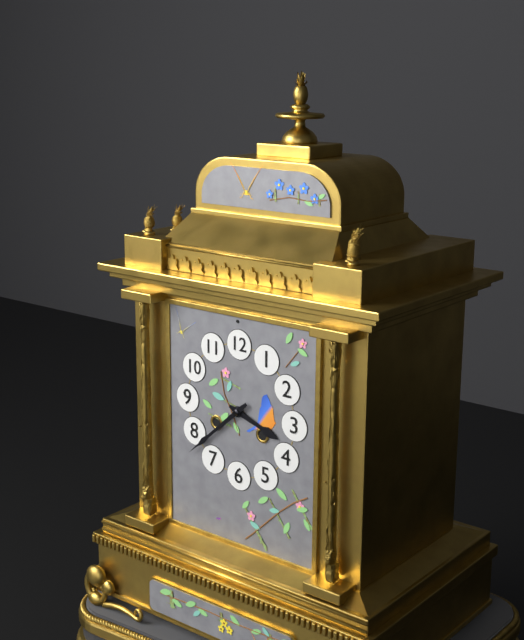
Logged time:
3h38
